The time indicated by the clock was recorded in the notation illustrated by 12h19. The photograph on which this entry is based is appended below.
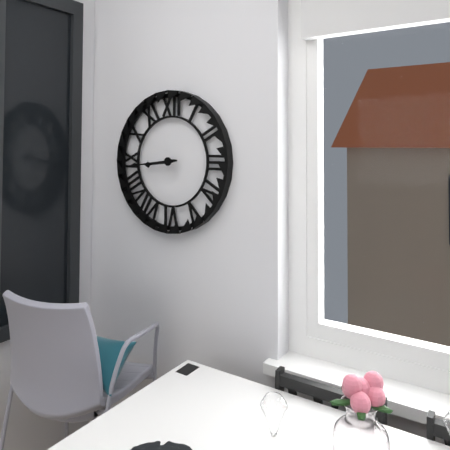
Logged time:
8h44
